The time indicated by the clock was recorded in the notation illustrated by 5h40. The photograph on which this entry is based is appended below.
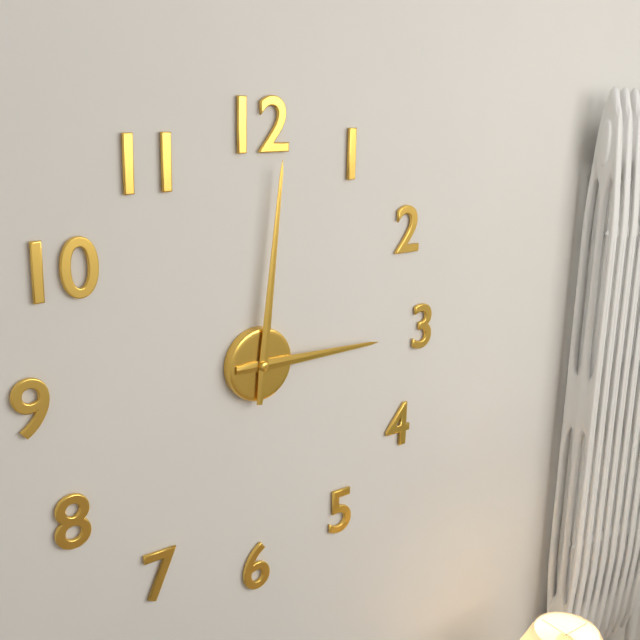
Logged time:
3h01
